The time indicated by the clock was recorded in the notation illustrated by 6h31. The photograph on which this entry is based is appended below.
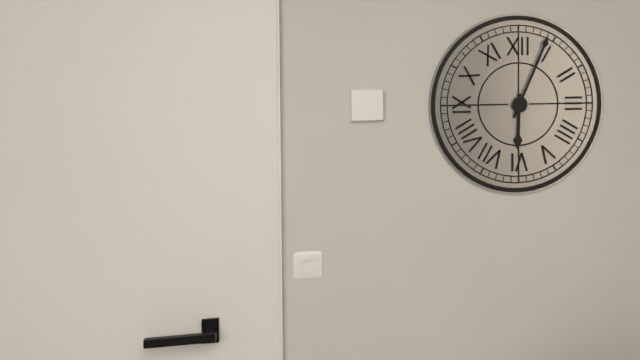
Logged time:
6h04
